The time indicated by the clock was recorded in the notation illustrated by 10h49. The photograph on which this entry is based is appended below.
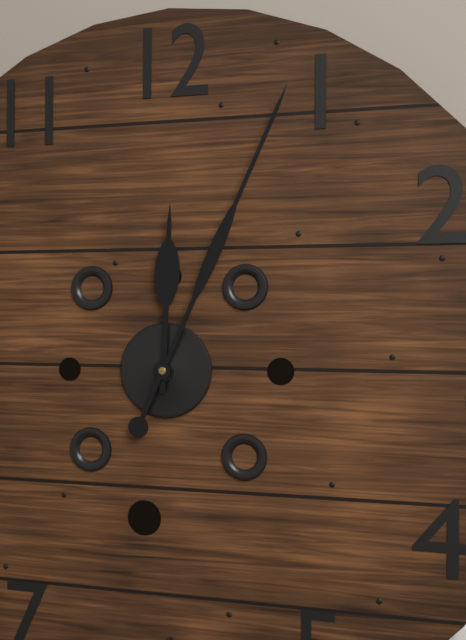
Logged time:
12h04
